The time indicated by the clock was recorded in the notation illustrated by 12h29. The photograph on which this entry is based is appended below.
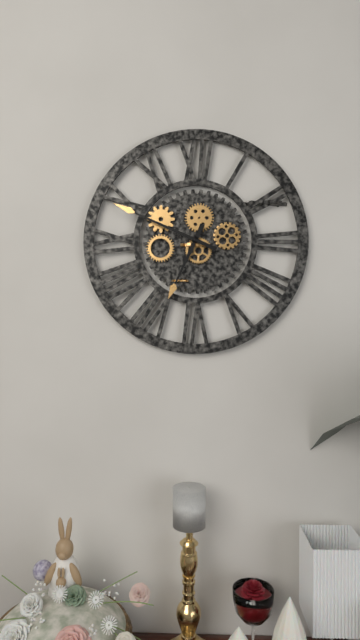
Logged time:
6h49
